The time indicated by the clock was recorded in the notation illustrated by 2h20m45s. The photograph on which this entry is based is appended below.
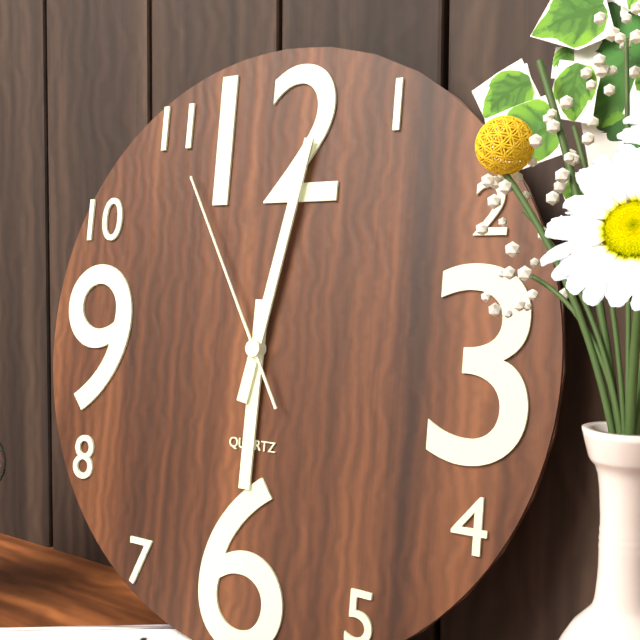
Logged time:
6h02m55s
